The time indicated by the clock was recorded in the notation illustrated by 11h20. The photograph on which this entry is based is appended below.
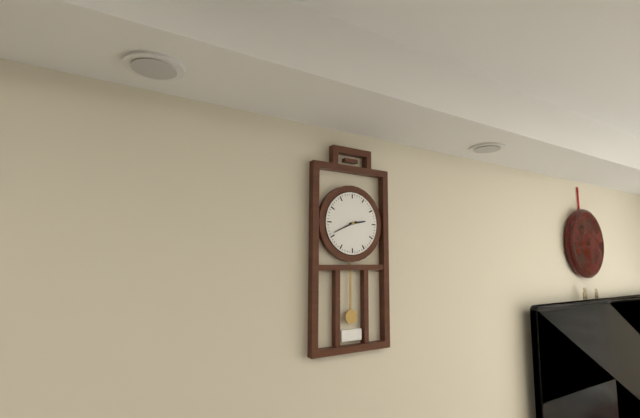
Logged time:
2h41
